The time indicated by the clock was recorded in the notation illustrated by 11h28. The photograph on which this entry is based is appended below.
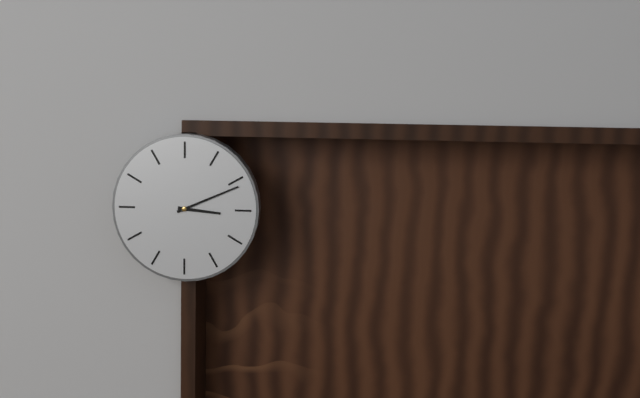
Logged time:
3h11
